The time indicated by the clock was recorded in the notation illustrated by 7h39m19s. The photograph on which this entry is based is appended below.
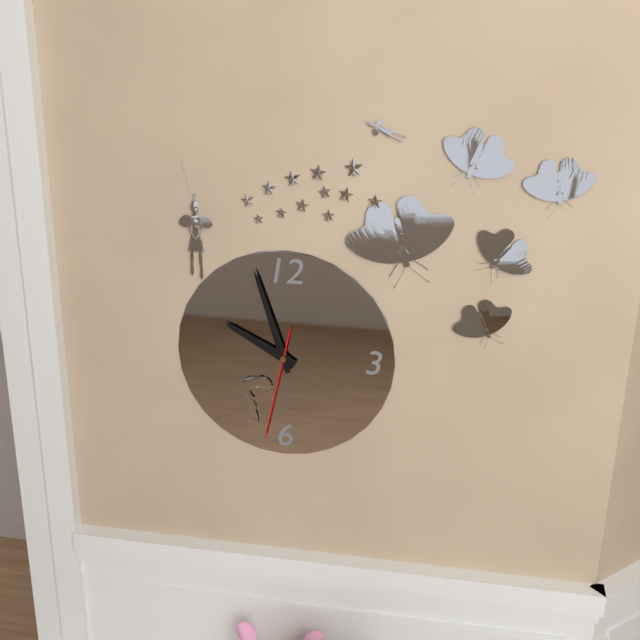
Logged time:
9h57m32s
